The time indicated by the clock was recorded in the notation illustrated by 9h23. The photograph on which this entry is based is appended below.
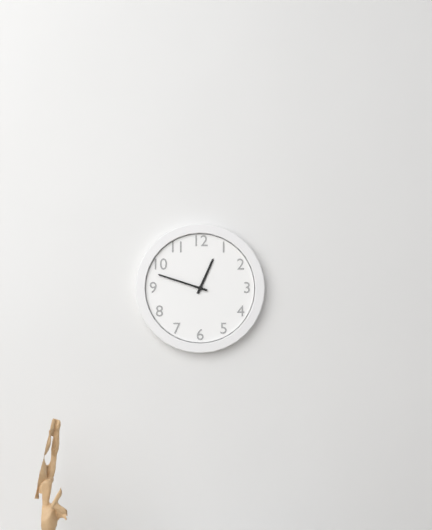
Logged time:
12h48
